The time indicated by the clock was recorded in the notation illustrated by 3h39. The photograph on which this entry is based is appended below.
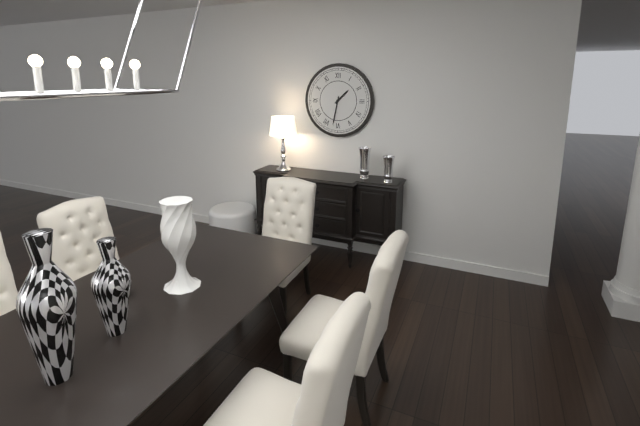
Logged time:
1h32
